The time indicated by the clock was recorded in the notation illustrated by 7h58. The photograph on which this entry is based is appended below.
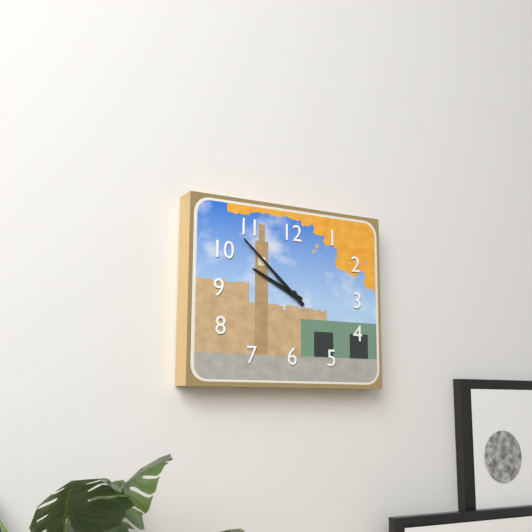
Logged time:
9h52
